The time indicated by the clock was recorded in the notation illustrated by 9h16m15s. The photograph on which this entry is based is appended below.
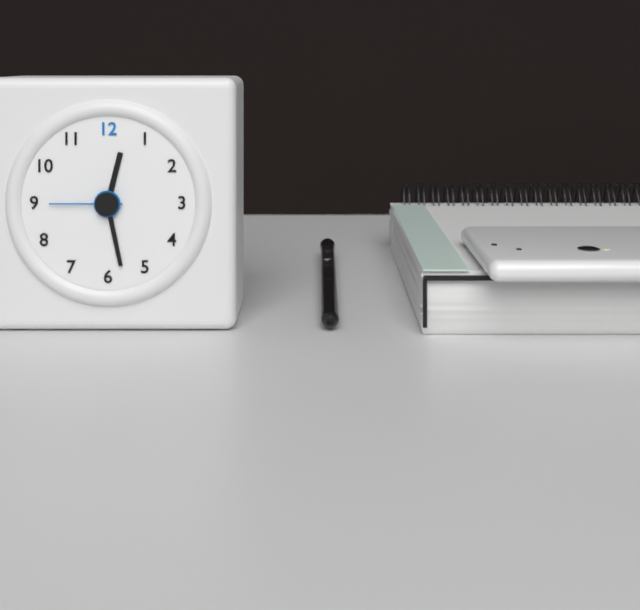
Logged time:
12h28m45s
